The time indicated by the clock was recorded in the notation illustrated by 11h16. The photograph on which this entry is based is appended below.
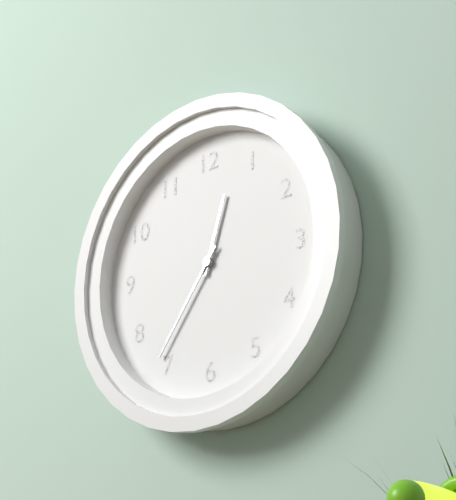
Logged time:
12h36
